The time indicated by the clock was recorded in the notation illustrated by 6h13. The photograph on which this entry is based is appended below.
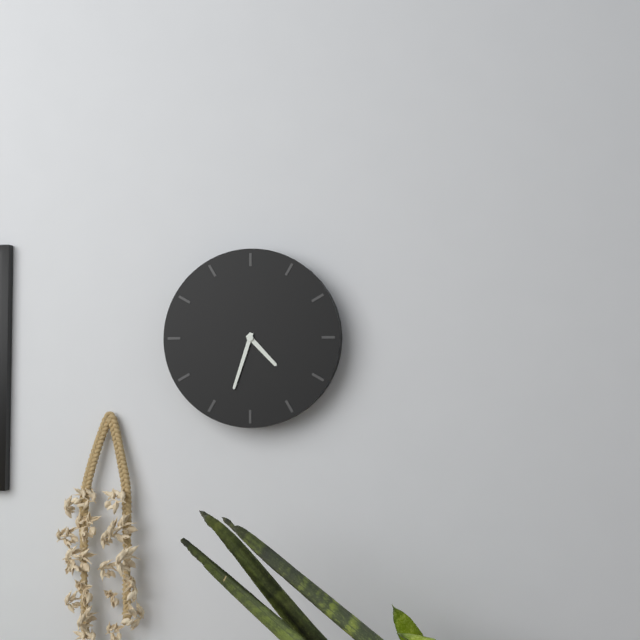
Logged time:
4h33
